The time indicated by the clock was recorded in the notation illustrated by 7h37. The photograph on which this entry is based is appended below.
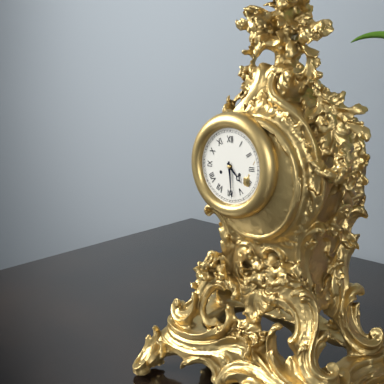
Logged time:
4h29
